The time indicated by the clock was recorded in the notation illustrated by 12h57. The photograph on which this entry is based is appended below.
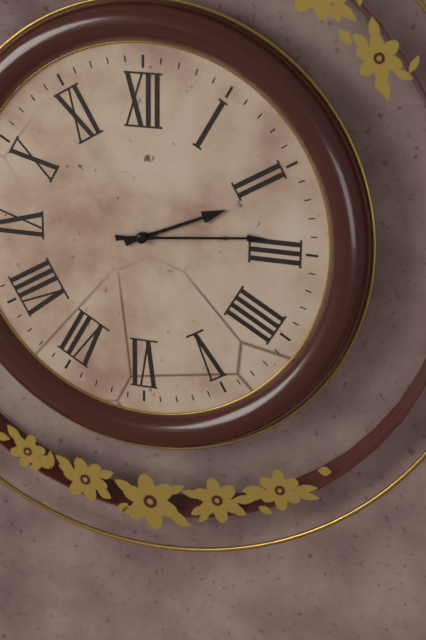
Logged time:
2h14
